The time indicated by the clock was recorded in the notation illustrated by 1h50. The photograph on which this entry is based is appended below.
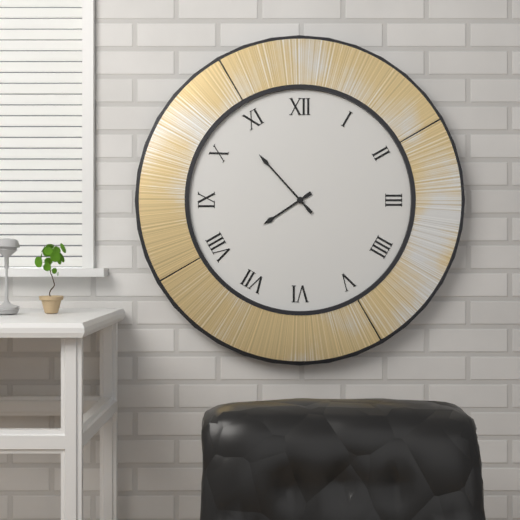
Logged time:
7h53
